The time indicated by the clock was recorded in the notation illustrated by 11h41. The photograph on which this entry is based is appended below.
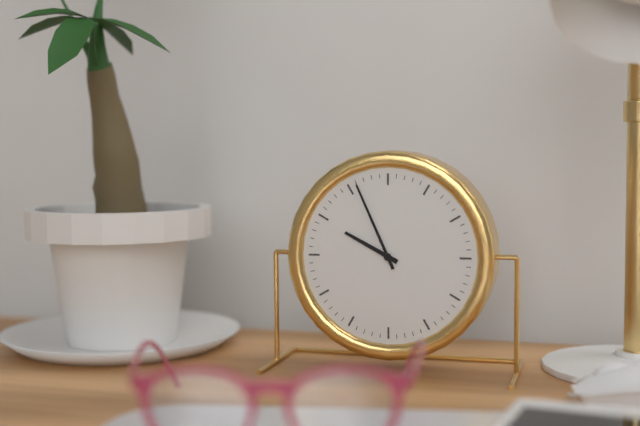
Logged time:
9h56
